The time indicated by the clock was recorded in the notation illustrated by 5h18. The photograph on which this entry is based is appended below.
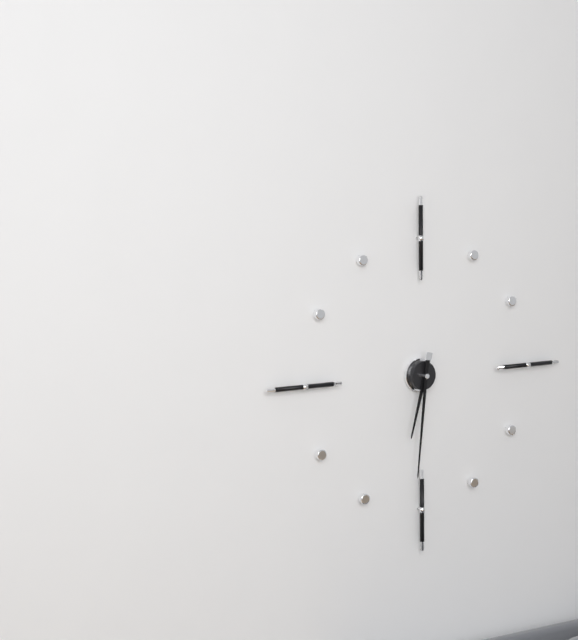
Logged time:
6h31
